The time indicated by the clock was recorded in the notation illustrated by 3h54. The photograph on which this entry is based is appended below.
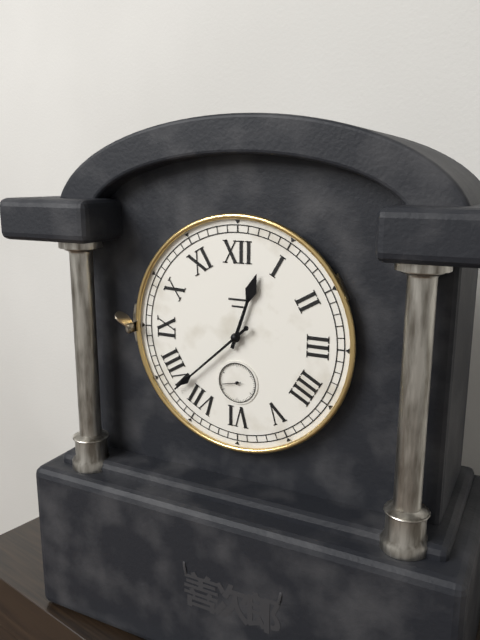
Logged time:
12h38
